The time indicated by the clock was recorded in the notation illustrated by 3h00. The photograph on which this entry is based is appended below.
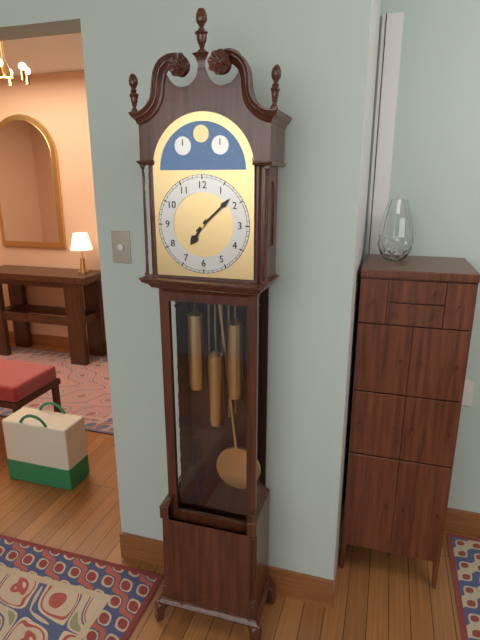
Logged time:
7h08
